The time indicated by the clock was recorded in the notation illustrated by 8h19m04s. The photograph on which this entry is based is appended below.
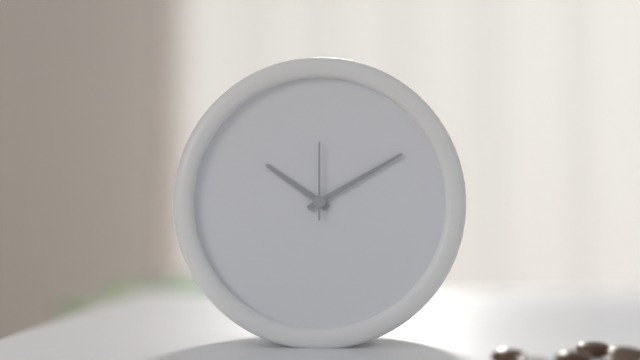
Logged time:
10h10m00s
